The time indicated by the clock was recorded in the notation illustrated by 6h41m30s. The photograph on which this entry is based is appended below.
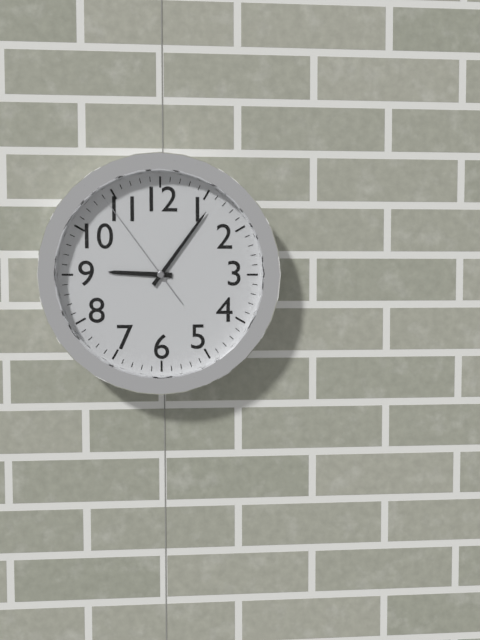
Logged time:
9h06m54s
